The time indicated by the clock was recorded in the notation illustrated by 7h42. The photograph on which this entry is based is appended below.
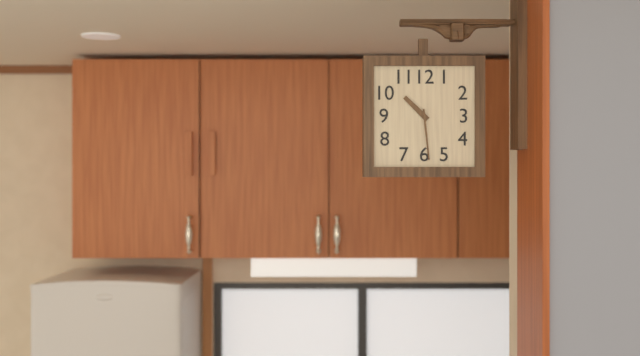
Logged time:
10h29
